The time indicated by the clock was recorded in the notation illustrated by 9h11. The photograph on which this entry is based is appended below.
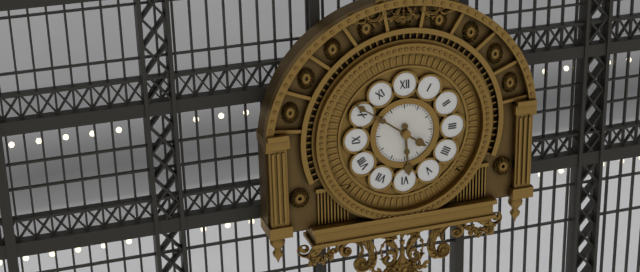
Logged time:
5h51
